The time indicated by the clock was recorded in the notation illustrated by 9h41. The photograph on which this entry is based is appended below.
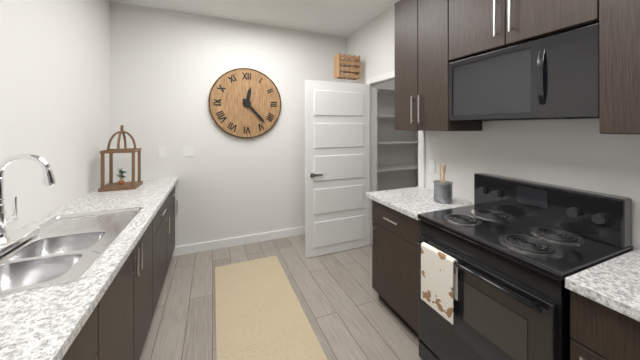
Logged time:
12h23
